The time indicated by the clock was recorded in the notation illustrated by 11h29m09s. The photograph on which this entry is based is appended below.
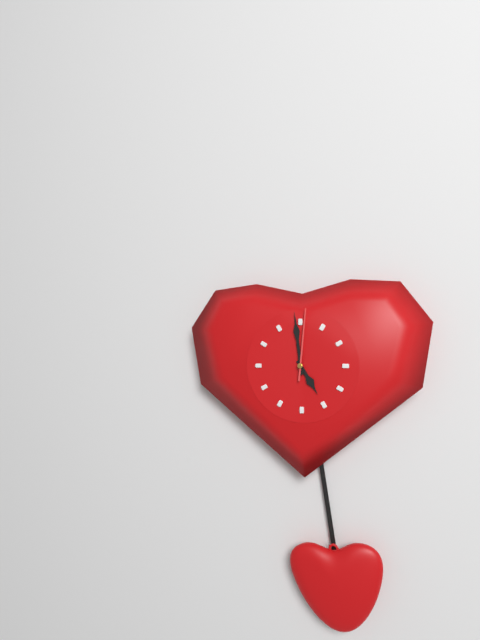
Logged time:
4h59m01s
